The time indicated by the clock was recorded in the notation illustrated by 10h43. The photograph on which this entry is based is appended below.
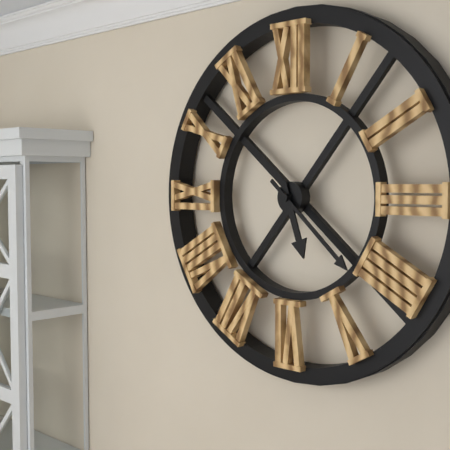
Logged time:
5h22
